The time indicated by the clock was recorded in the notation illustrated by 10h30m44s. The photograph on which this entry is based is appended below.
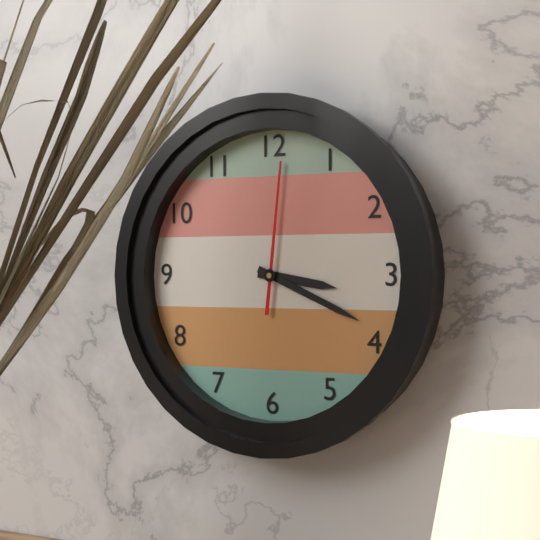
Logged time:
3h19m01s
